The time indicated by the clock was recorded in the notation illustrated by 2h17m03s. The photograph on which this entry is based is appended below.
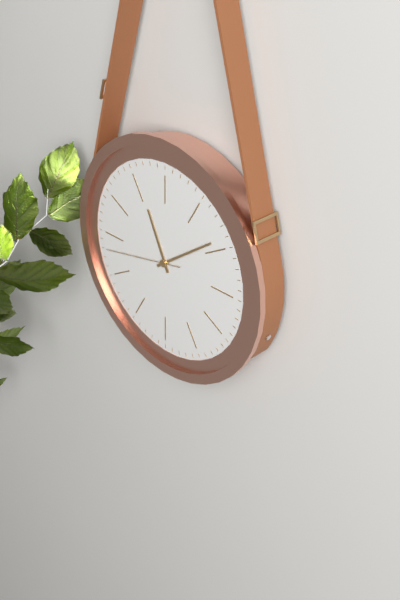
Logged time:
11h09m43s
